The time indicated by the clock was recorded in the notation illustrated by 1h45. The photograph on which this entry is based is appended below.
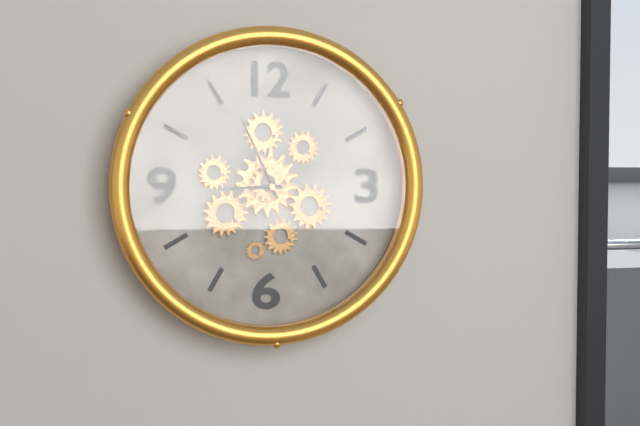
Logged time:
8h56
